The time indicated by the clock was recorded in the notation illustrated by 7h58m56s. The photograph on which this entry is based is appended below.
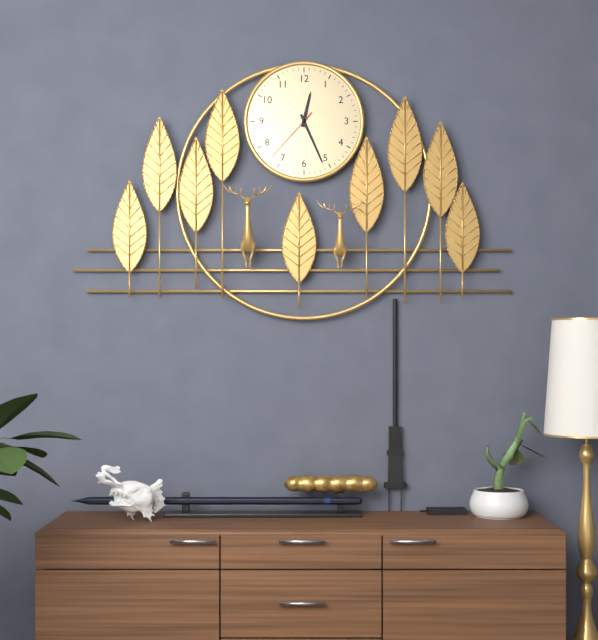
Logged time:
12h26m37s
